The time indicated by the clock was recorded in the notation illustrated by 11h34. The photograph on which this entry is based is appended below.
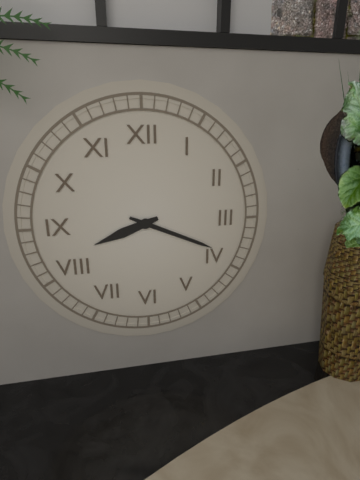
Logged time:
8h19
